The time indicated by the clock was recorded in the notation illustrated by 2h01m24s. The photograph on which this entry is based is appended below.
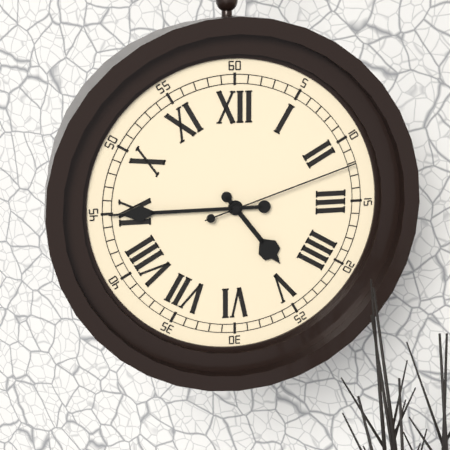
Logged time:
4h45m12s
